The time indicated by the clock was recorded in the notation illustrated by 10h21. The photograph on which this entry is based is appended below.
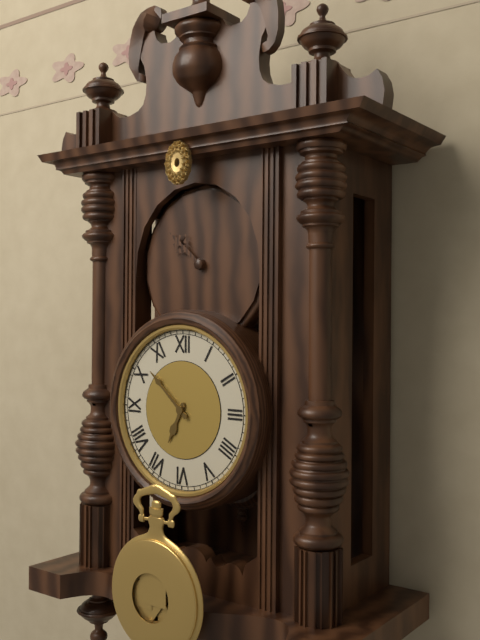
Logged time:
6h52
